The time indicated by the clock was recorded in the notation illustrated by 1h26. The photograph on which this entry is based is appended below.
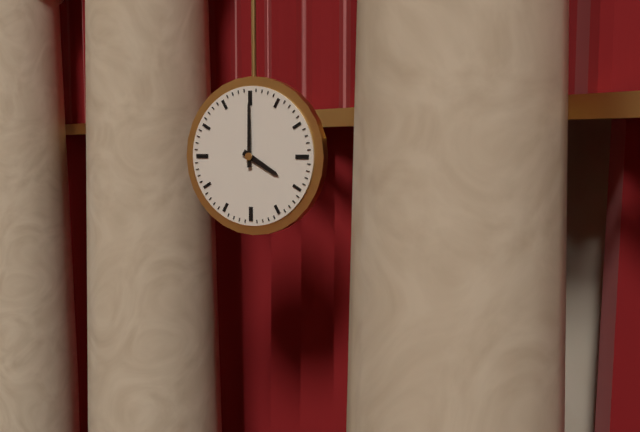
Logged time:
4h00
